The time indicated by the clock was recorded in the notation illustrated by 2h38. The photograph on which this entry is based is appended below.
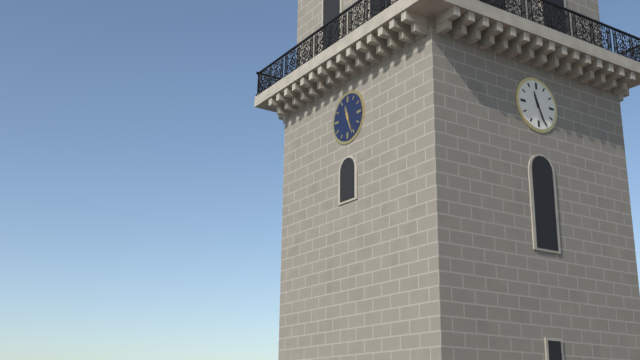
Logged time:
11h26
